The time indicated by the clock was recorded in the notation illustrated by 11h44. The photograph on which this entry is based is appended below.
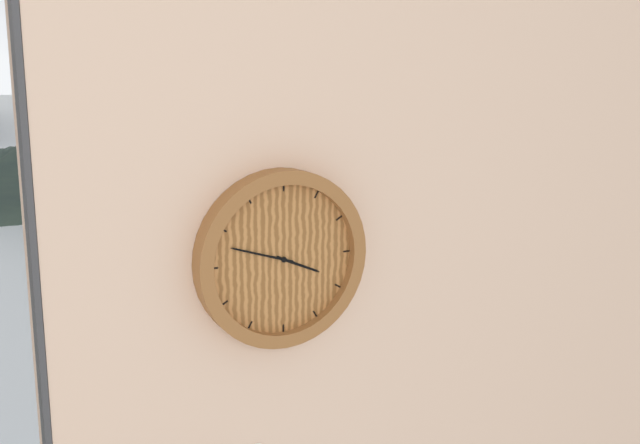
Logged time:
3h48
